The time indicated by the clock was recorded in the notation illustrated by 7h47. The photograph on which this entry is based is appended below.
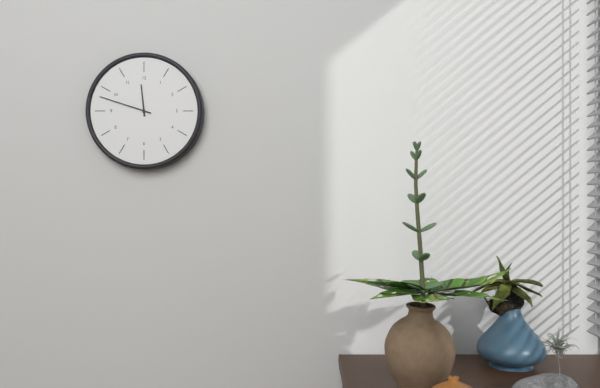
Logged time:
11h48
